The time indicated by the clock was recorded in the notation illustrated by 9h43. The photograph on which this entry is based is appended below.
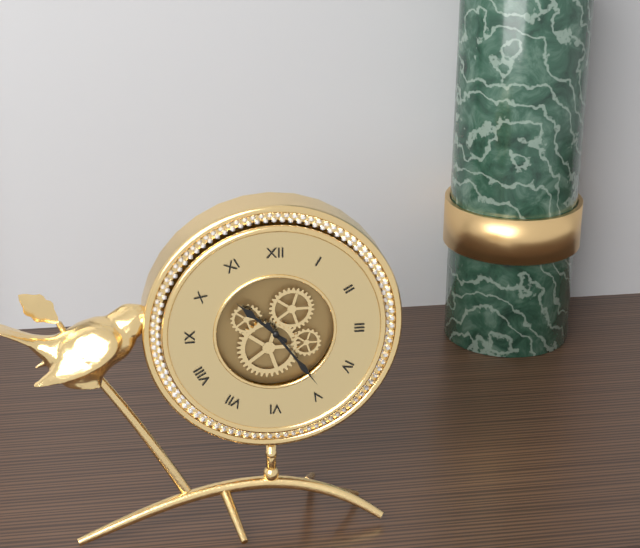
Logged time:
10h24
